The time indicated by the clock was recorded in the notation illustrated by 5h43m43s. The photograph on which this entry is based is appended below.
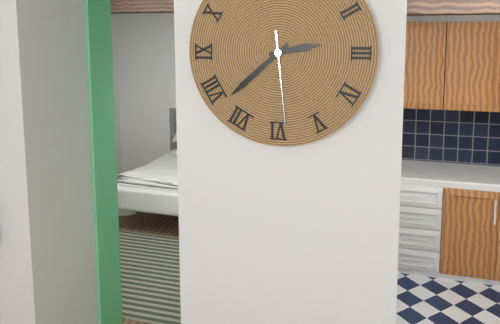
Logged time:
2h38m29s
